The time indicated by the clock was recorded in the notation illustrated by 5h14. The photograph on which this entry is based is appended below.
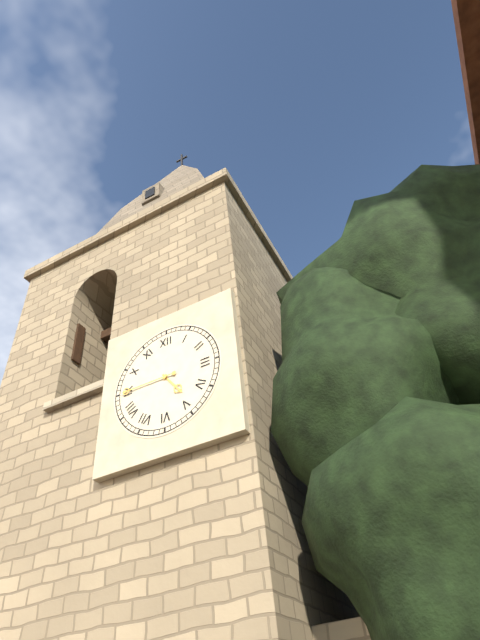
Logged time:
4h45
